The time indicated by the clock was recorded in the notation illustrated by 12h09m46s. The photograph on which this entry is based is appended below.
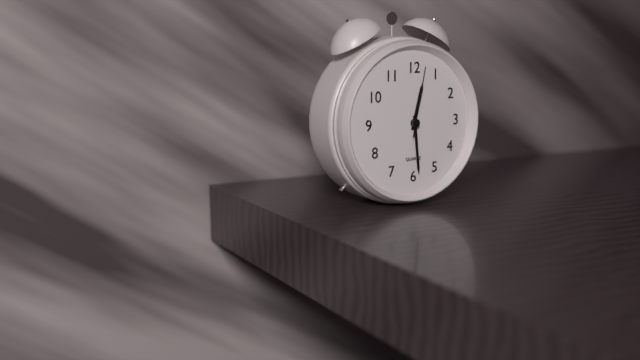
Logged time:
12h29m02s
